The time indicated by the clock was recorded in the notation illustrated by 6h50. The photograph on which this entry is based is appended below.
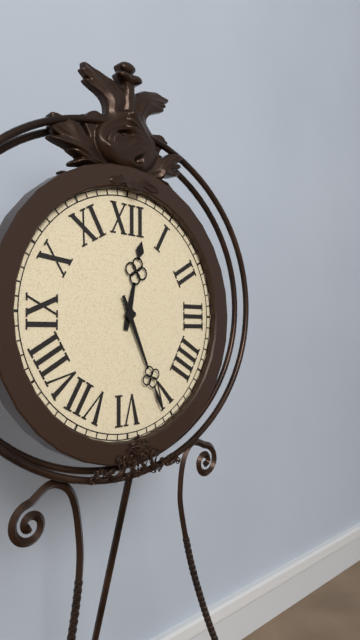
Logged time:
12h26
